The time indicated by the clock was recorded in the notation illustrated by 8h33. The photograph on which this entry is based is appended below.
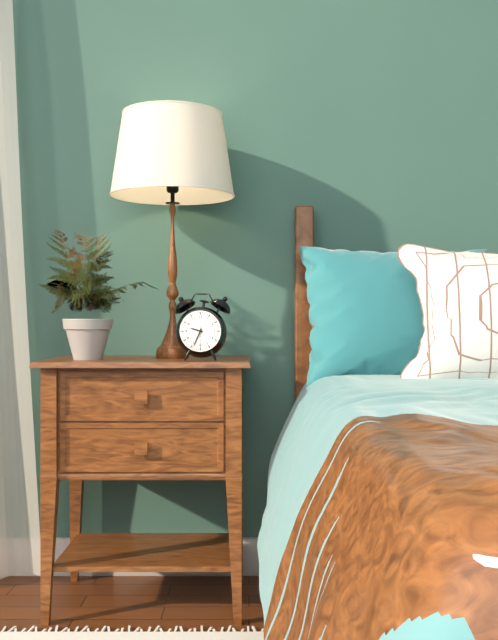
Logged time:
9h34
